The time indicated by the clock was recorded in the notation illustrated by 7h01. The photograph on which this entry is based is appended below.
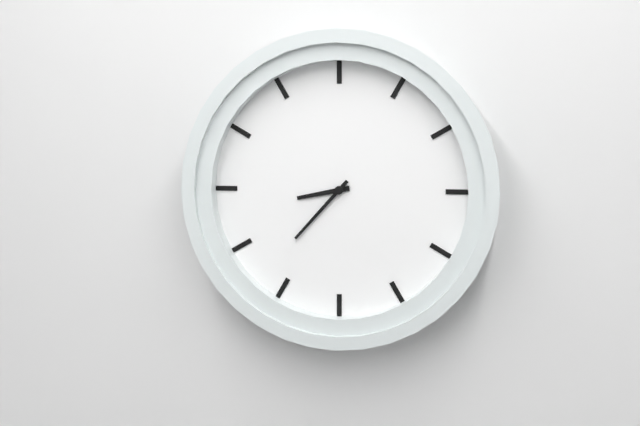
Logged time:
8h37
